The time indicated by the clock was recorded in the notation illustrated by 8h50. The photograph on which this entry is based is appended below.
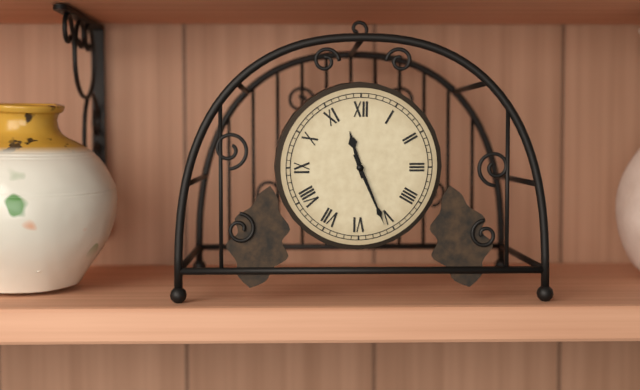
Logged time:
11h26
